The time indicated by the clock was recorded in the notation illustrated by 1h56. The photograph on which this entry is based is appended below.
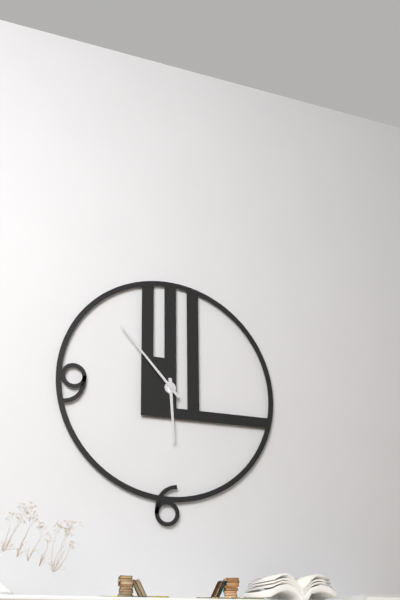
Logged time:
5h53
